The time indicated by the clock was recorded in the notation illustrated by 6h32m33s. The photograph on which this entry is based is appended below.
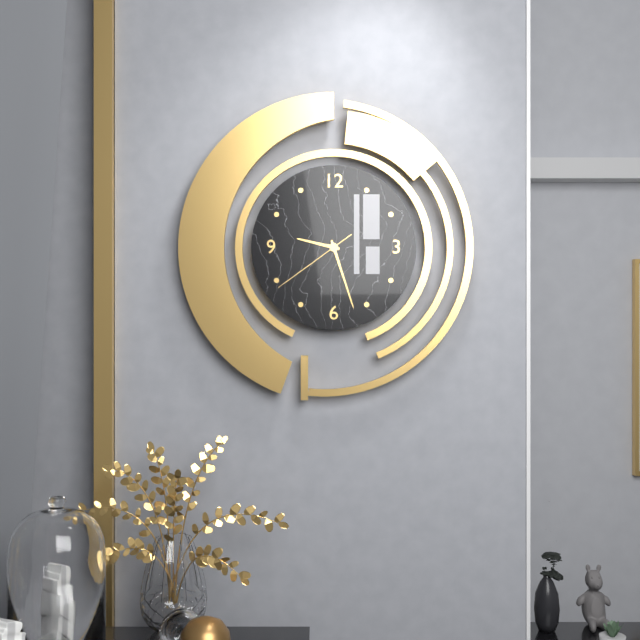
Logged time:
9h27m39s
